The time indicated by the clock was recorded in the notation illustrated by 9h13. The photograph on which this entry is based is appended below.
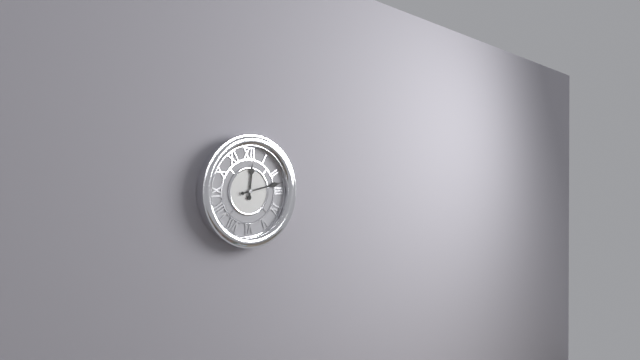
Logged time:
12h13
